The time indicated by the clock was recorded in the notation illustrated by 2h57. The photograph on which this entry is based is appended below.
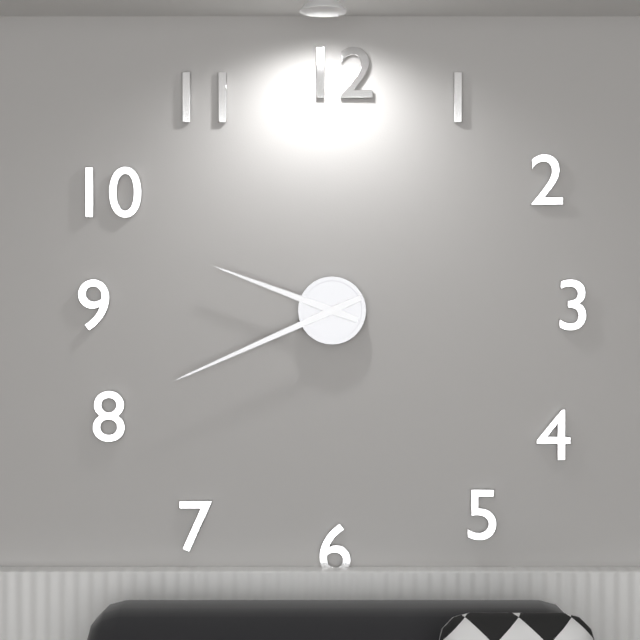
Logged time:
9h41
